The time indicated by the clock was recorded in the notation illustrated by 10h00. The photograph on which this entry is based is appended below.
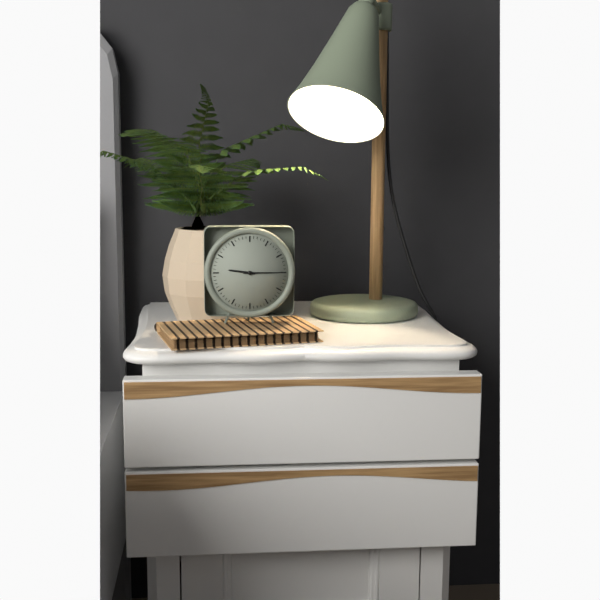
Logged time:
9h15
